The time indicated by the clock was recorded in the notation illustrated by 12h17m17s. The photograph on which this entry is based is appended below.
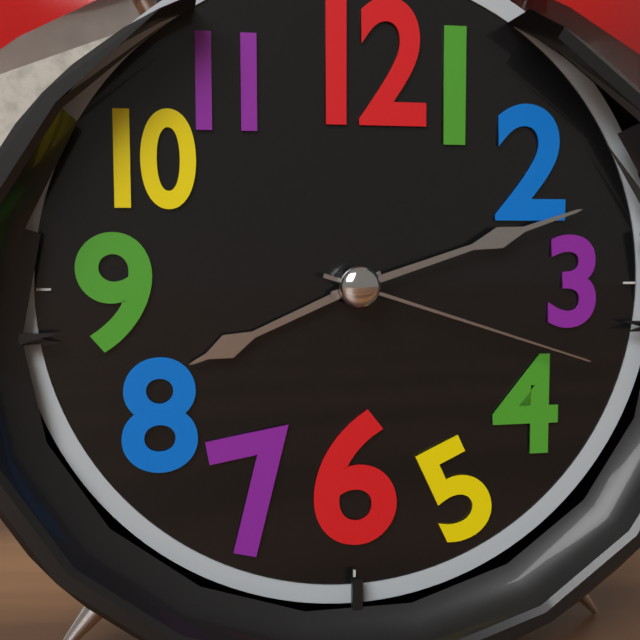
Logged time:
8h12m18s
